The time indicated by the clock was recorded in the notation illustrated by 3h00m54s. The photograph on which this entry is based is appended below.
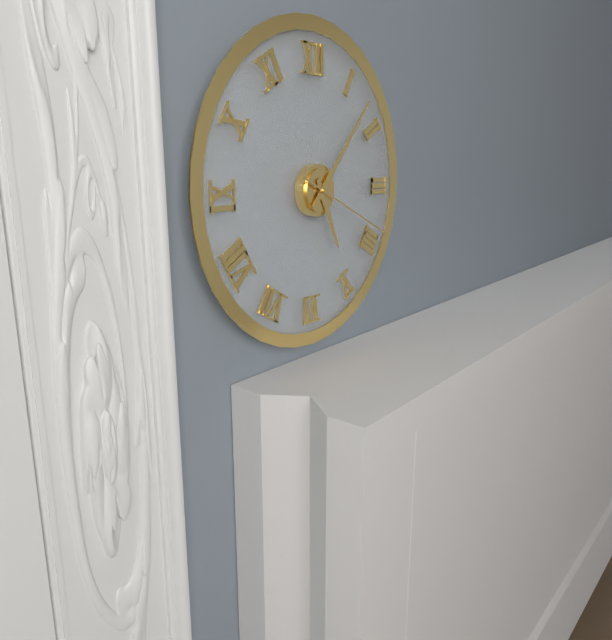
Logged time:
5h07m19s
